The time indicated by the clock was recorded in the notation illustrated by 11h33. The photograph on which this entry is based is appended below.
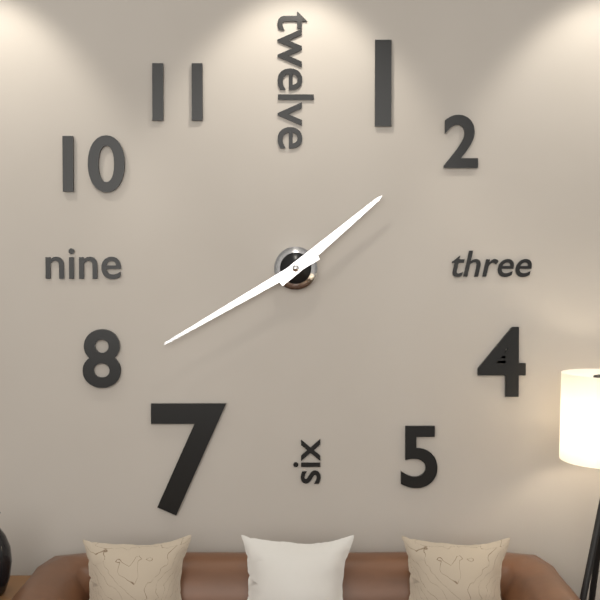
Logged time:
1h40
